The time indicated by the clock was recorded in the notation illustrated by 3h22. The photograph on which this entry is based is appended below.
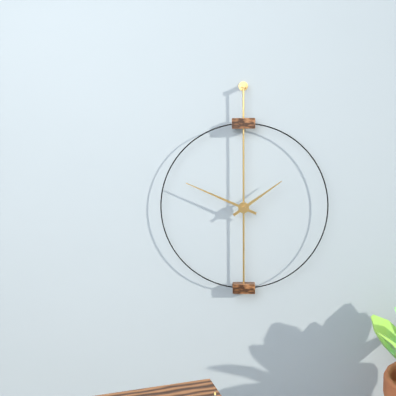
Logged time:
1h49
